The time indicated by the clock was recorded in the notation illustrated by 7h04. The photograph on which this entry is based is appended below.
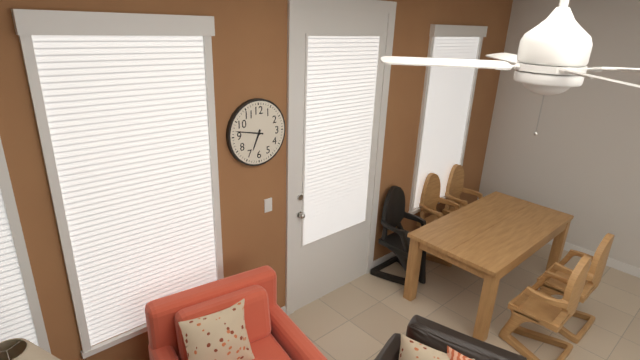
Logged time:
6h47
